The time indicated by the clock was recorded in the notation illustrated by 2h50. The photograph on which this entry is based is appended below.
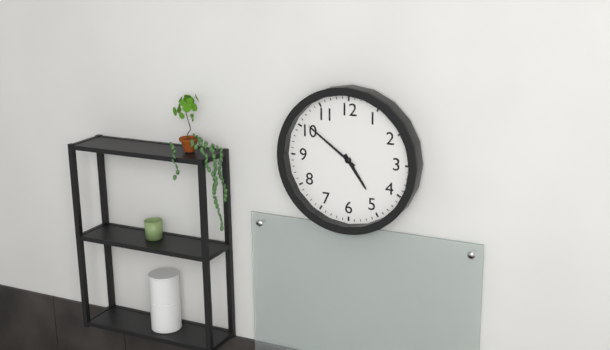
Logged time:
4h51
